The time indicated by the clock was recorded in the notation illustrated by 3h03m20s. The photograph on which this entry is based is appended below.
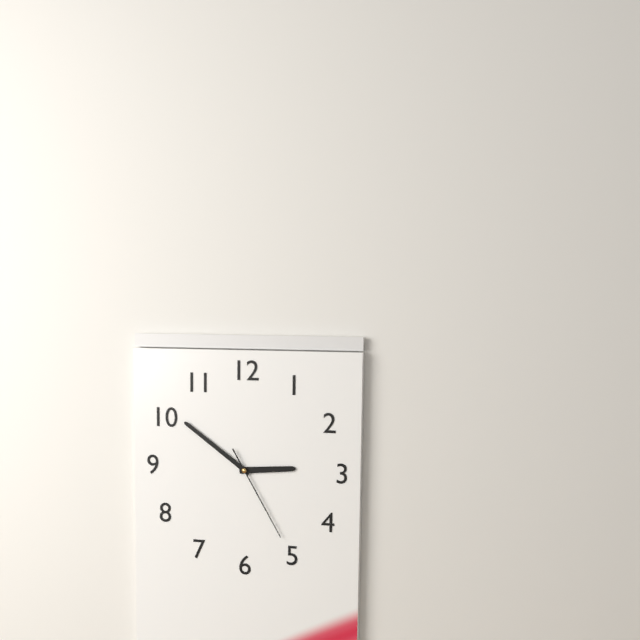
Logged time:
2h51m25s
